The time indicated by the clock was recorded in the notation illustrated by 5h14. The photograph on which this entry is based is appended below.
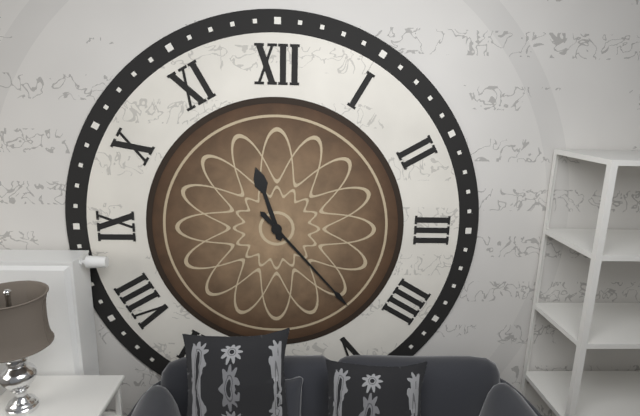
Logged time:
11h23
